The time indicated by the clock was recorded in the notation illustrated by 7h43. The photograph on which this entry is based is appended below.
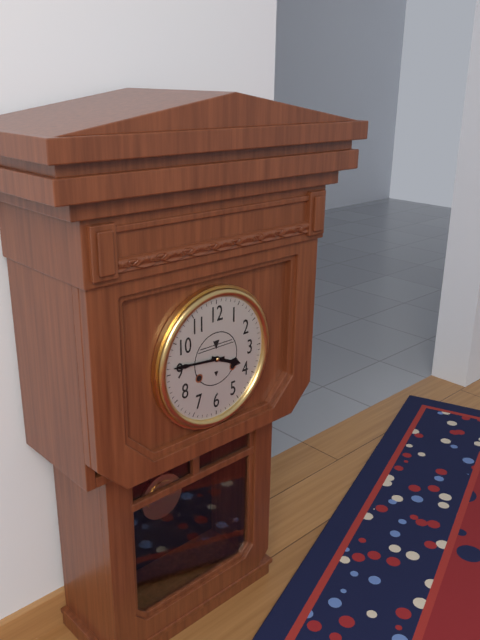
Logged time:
3h46
